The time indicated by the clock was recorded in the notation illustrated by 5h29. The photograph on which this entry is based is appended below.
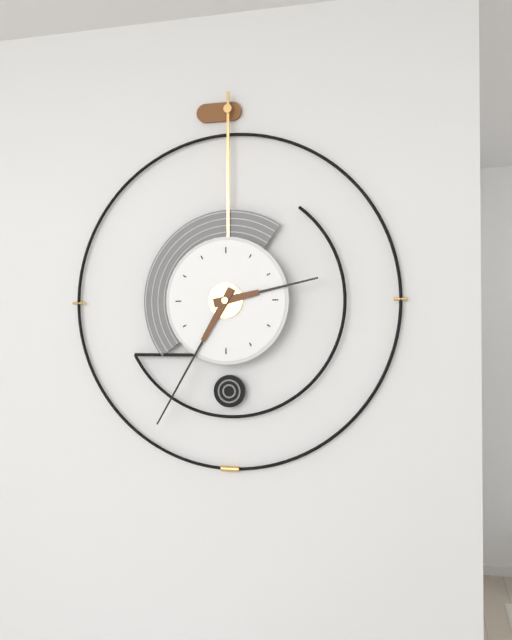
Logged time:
2h35
